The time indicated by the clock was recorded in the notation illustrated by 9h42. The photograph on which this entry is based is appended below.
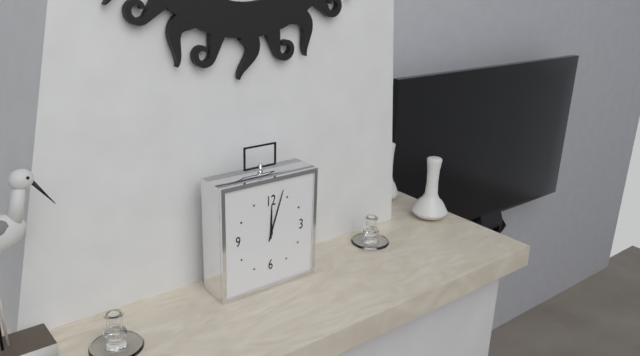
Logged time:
12h03
